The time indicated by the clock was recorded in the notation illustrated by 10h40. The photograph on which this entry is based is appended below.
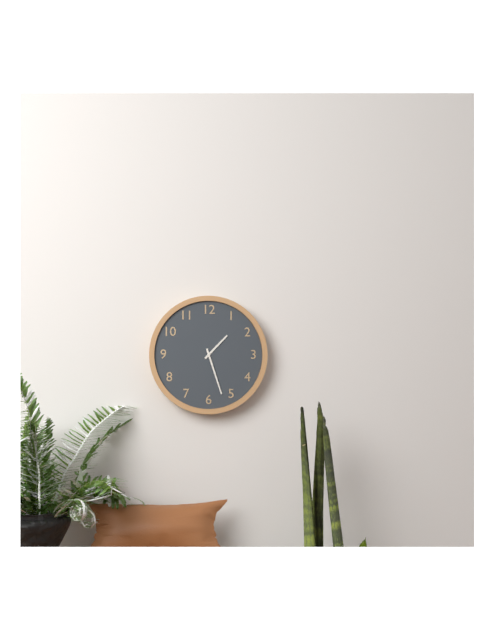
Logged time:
1h27
